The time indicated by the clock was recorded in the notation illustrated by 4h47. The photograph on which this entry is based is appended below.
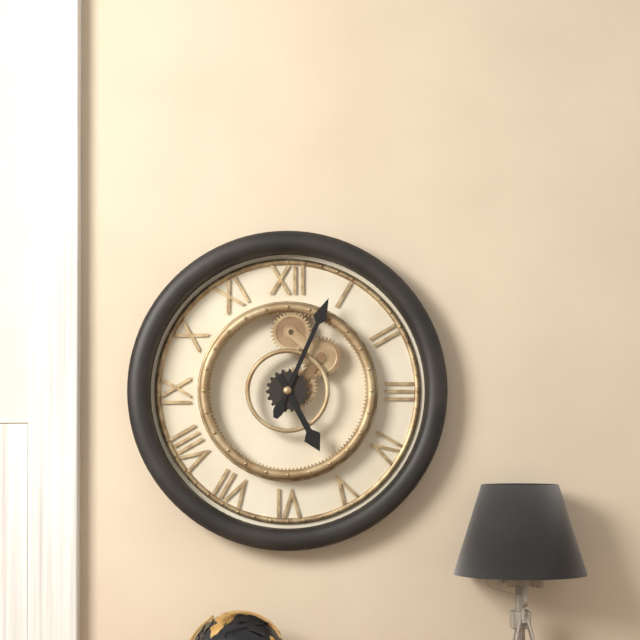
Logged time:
5h04
